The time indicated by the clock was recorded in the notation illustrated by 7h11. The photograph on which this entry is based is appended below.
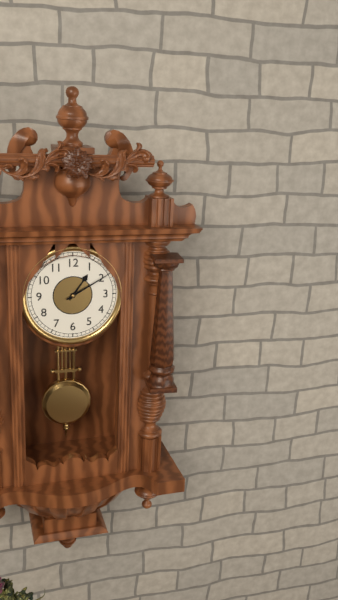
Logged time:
1h10
